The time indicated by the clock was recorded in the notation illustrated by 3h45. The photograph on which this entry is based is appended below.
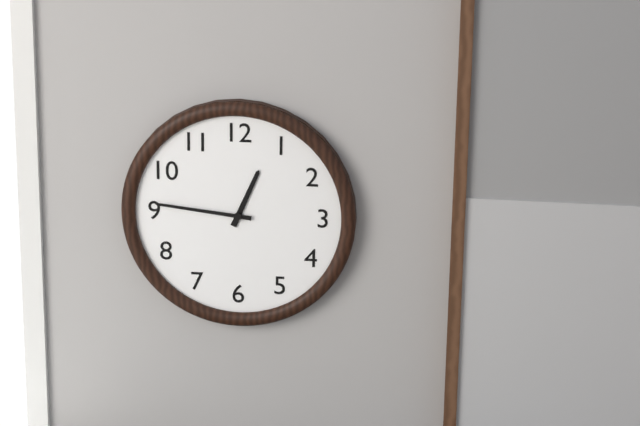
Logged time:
12h46
